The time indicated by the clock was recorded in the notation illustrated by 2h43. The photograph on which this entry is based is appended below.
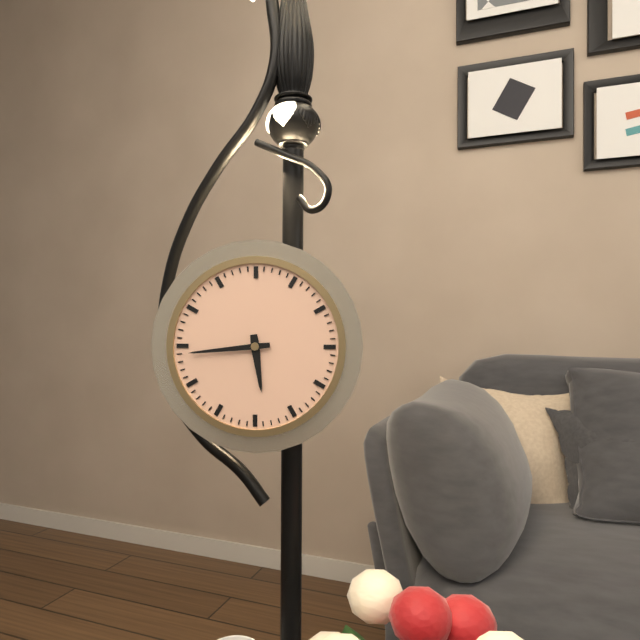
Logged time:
5h44
